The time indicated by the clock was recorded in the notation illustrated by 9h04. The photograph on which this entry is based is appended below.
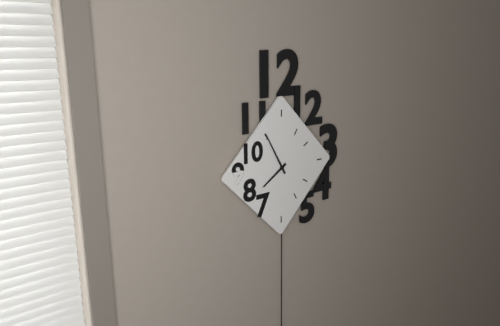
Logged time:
7h55
